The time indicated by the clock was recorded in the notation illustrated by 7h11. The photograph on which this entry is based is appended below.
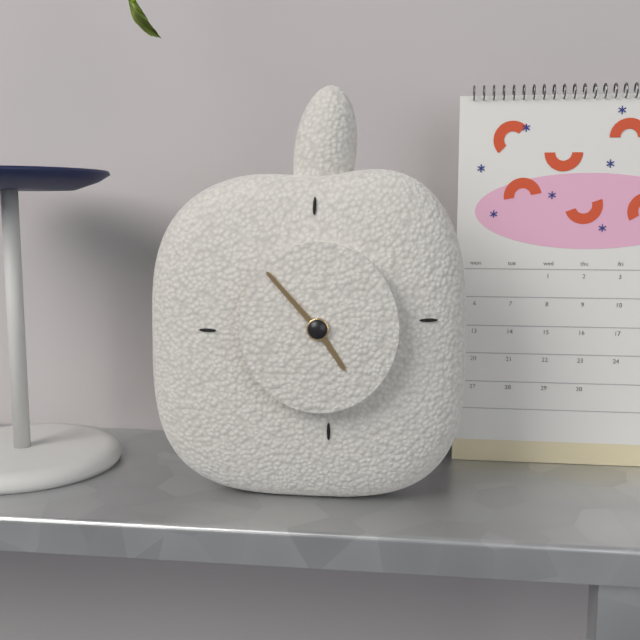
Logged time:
4h53
